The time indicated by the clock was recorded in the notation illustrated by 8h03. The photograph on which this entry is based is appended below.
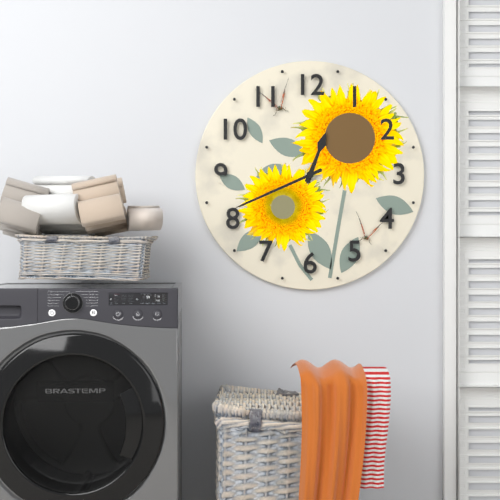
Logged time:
12h41
